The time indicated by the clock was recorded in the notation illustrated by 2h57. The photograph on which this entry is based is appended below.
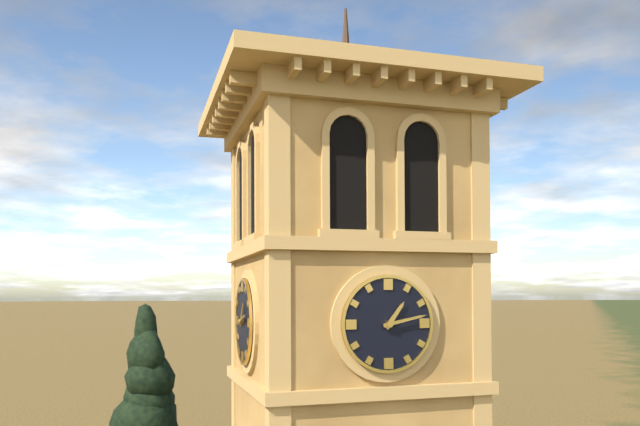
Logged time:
1h13
